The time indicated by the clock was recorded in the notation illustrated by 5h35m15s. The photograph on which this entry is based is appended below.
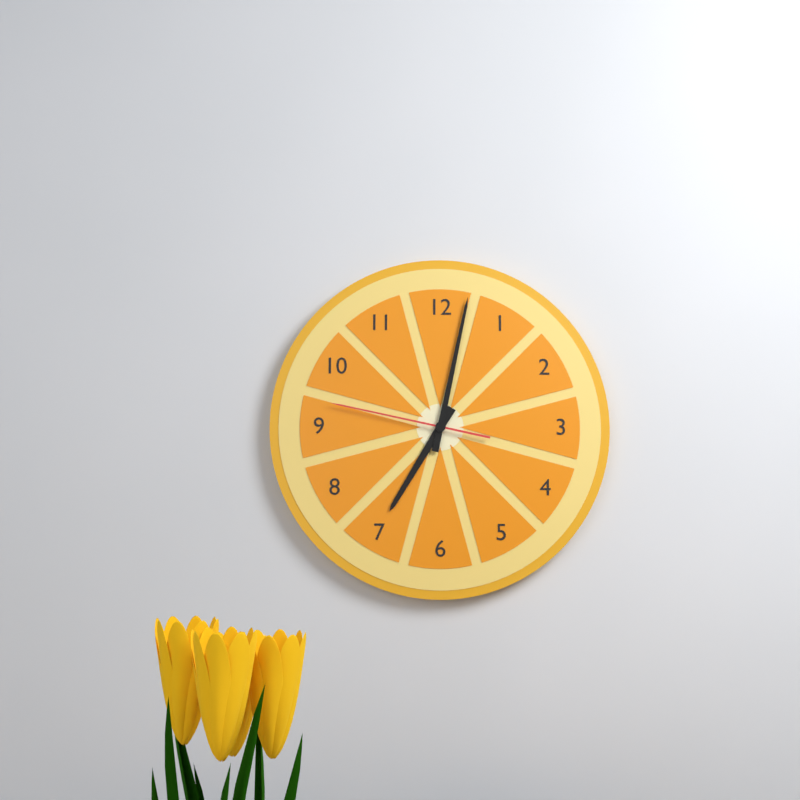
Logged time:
7h02m47s
